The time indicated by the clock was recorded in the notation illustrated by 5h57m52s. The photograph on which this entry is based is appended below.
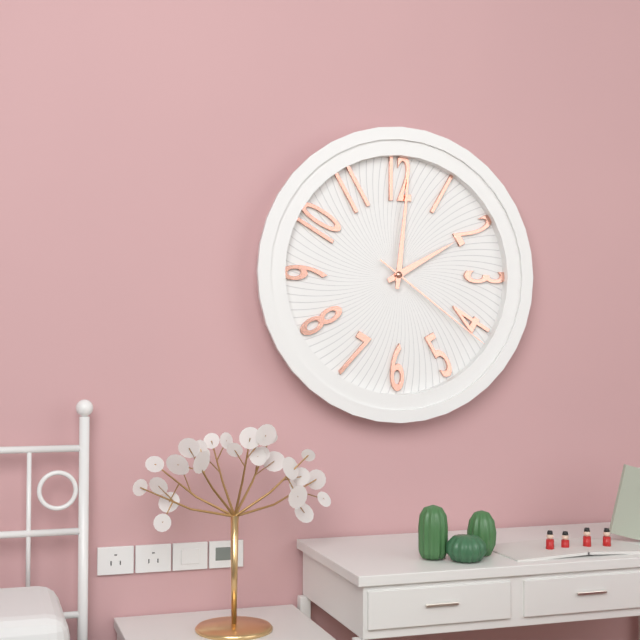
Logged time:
2h01m21s
